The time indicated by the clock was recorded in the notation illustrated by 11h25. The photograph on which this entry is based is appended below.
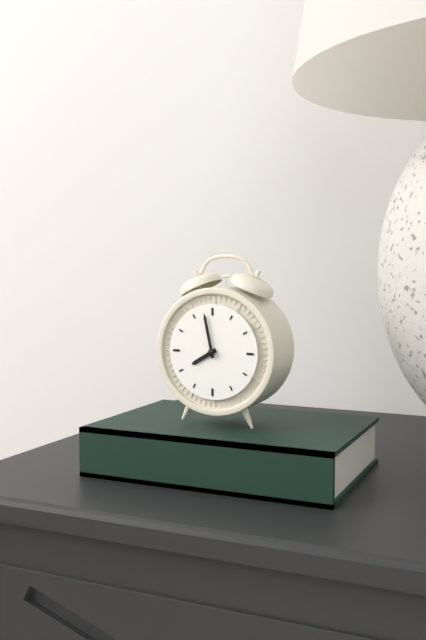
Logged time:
7h58
